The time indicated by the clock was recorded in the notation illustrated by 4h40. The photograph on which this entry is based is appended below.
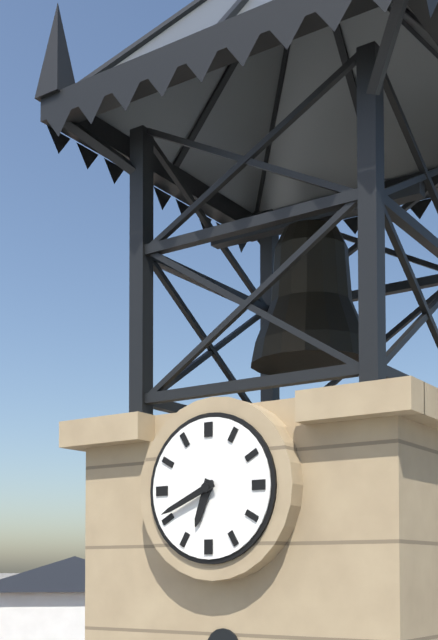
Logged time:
6h41
